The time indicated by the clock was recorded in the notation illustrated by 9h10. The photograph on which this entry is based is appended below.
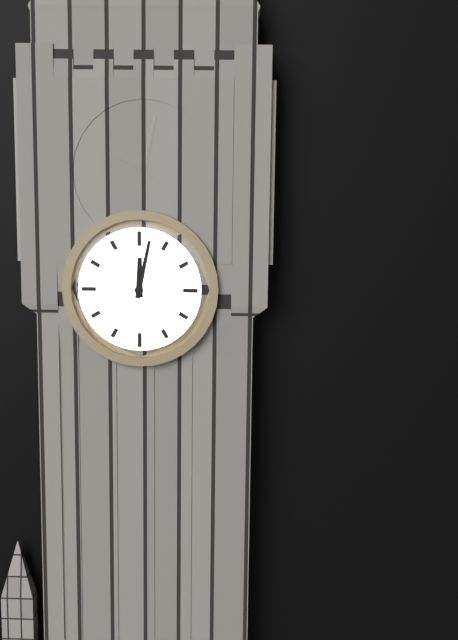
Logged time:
12h02
